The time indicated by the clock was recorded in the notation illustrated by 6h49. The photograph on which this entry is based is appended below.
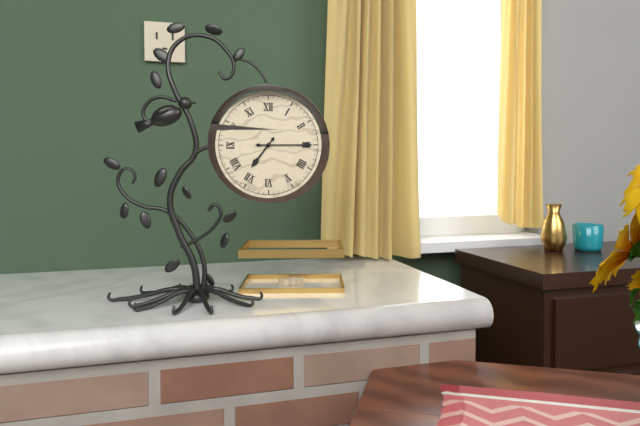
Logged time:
7h15
